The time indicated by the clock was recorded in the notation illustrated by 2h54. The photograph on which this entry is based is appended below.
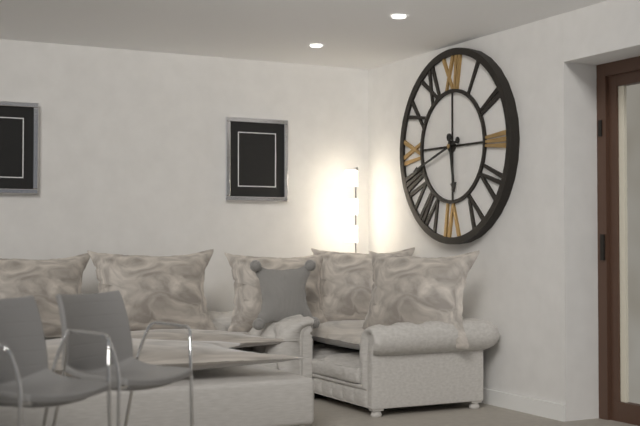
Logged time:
5h42
